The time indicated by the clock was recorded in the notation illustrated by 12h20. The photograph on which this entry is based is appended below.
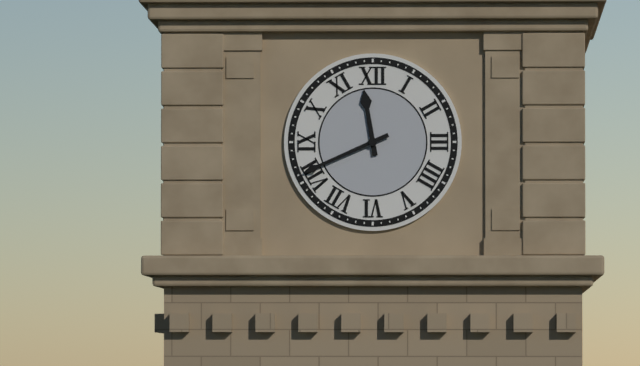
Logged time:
11h41
